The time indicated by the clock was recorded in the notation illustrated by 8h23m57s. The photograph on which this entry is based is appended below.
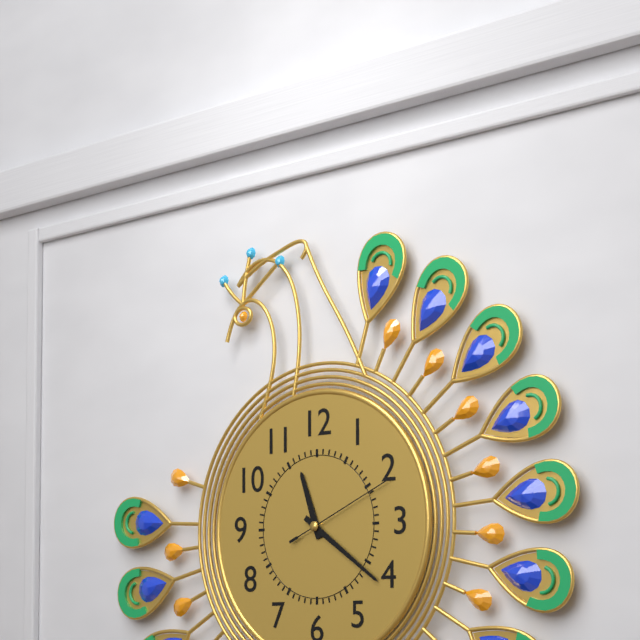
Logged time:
11h21m11s
